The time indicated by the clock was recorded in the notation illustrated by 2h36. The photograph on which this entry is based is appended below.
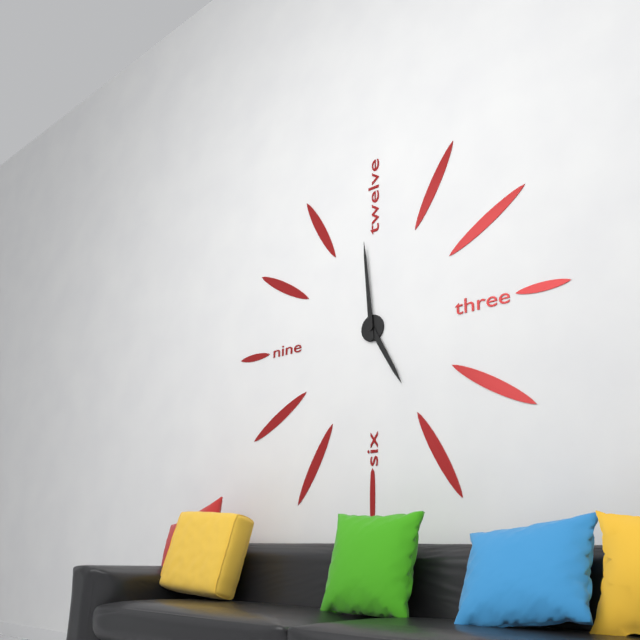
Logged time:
4h59
